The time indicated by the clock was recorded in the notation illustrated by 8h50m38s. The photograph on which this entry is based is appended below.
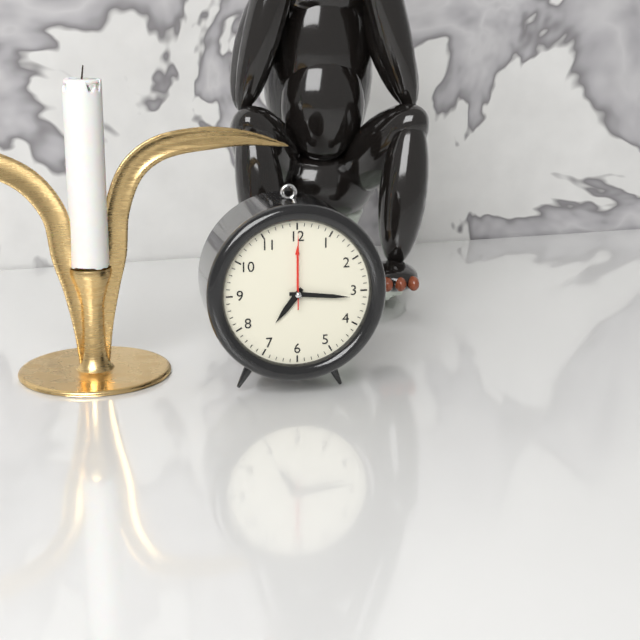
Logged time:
7h16m00s
